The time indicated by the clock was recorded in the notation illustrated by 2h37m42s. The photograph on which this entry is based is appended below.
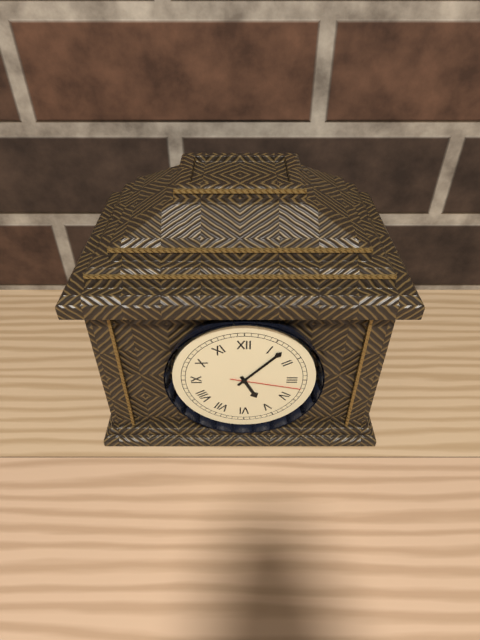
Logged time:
5h07m17s
